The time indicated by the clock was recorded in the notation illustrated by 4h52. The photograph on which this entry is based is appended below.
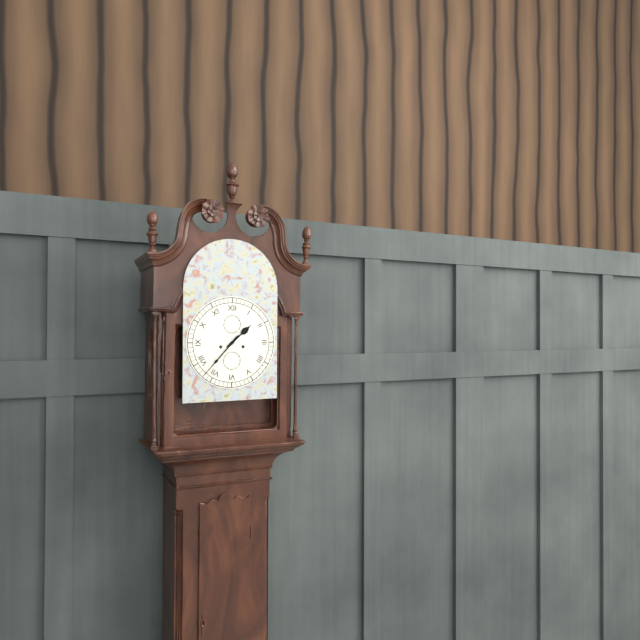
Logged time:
1h37
